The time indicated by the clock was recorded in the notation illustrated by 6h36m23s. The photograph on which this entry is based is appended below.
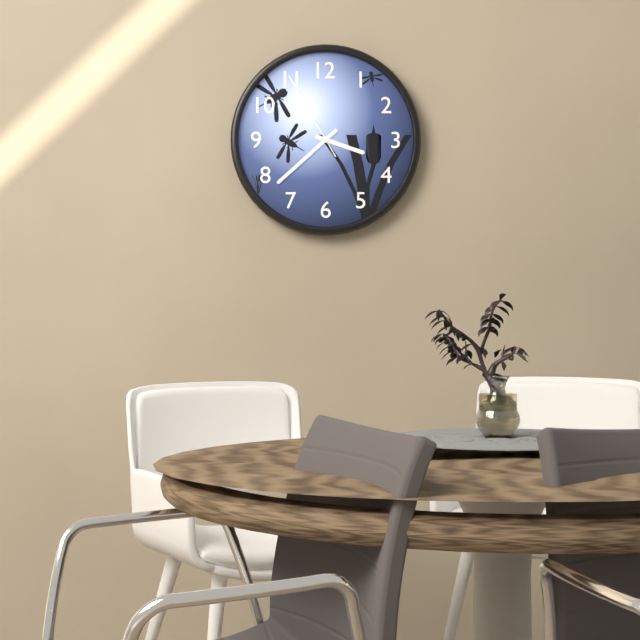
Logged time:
3h38m55s
